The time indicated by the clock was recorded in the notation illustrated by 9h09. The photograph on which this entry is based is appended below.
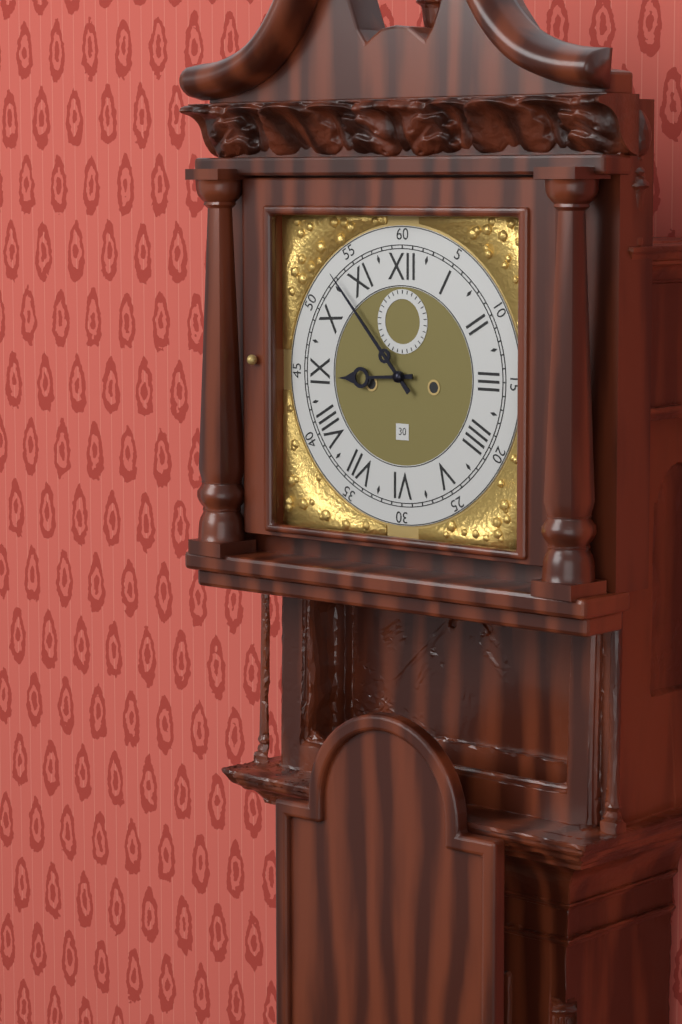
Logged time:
8h53
